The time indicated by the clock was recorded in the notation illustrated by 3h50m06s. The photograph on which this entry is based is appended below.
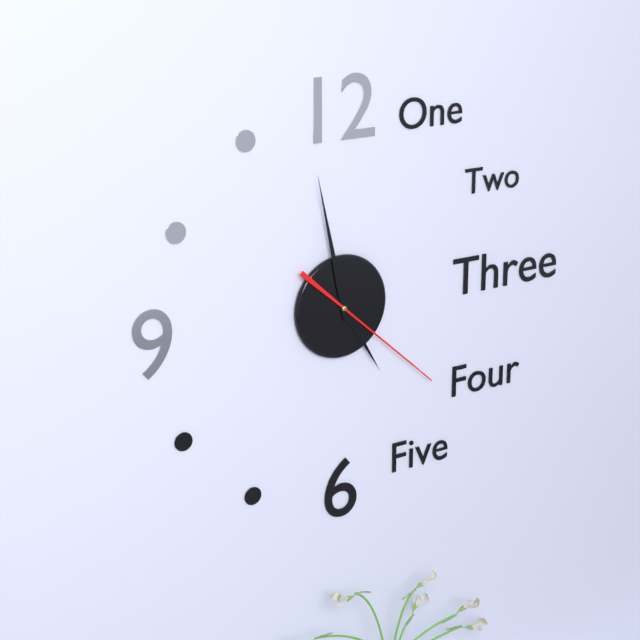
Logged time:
4h58m22s
